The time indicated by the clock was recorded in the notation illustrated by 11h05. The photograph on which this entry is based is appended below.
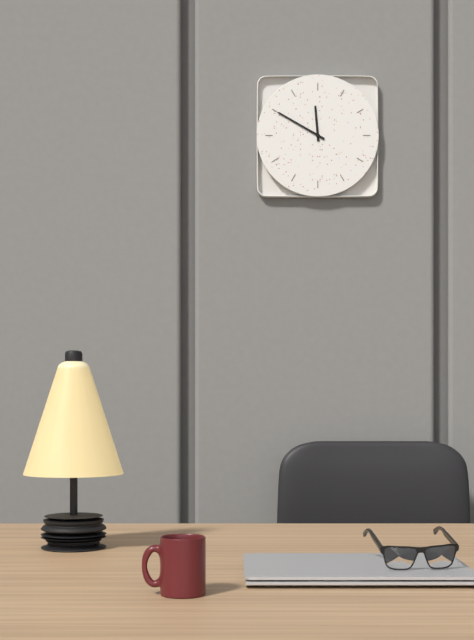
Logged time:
11h50
